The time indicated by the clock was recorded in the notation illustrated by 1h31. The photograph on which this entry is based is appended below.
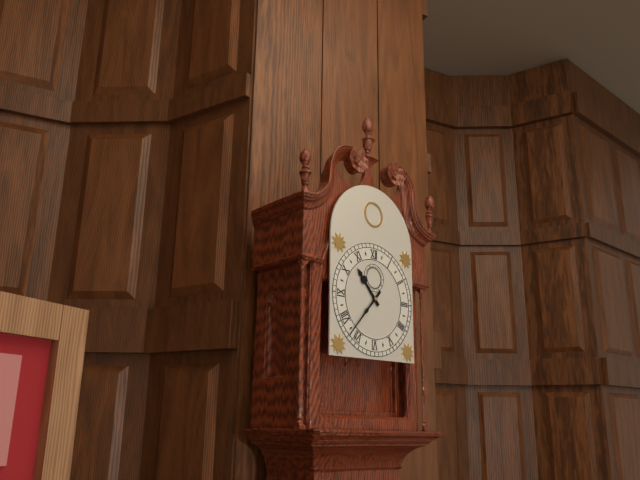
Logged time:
10h37
